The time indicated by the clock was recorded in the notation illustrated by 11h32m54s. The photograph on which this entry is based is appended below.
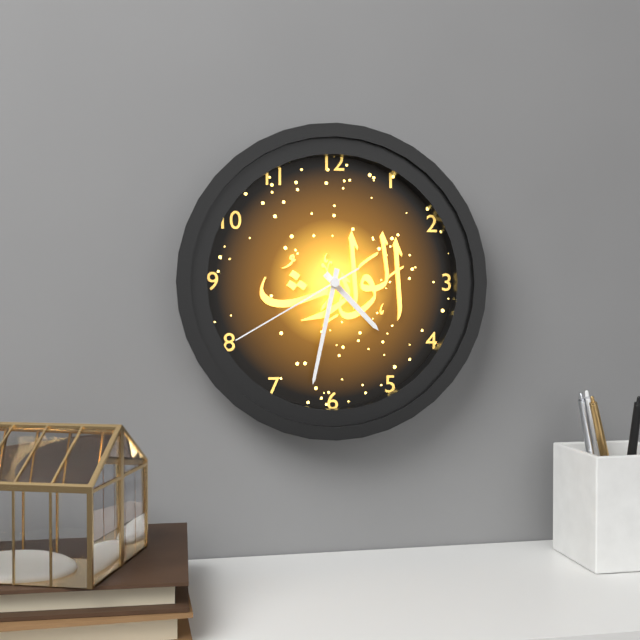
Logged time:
4h32m40s
